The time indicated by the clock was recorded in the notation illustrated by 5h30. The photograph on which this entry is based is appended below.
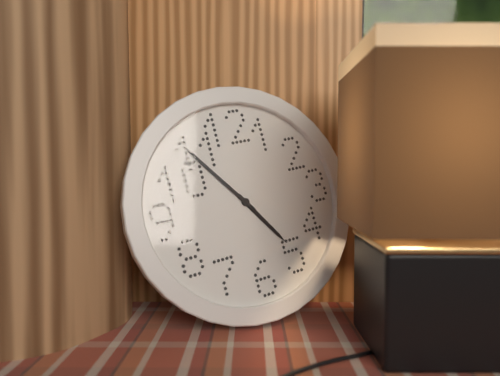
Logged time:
4h54
